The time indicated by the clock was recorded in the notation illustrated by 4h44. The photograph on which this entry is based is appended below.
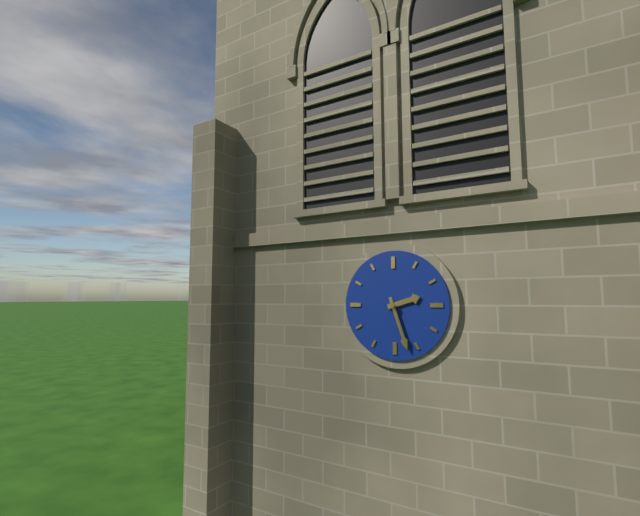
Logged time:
2h27
